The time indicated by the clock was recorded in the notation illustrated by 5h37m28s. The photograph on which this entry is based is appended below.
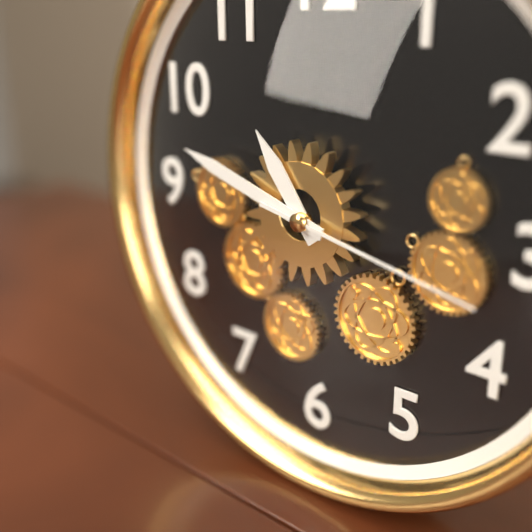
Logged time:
10h48m17s
